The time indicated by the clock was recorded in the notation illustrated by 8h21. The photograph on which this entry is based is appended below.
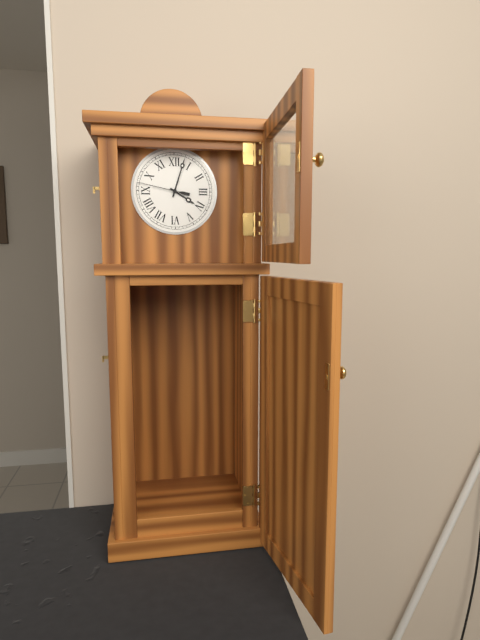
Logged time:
4h03
